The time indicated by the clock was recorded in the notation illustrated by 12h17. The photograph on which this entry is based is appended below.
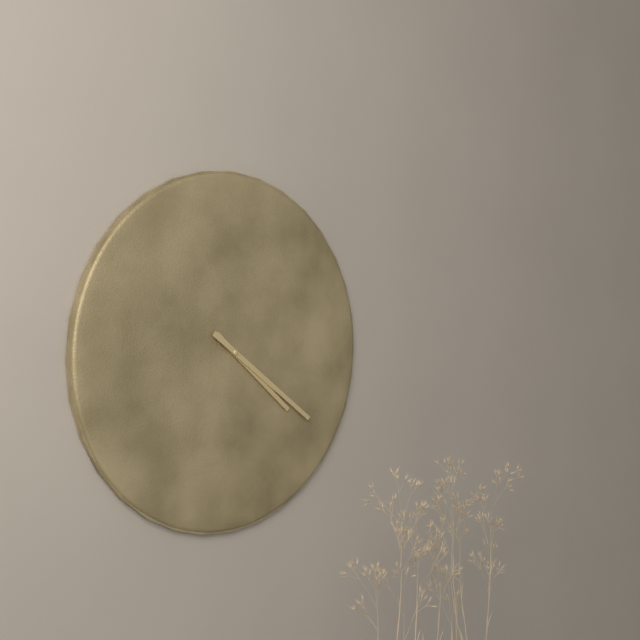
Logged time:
4h21
